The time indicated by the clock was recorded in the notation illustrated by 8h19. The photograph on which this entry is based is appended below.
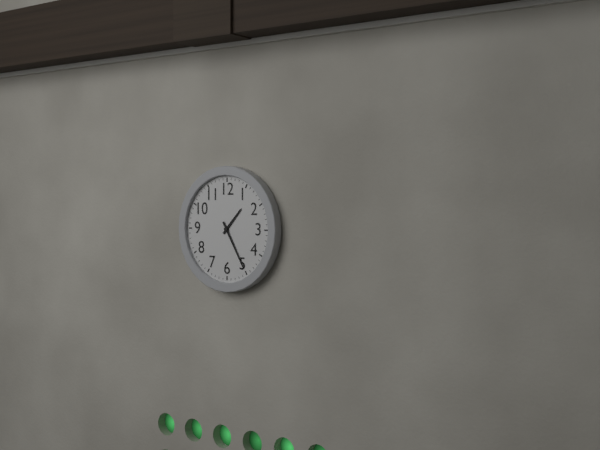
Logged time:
1h25
